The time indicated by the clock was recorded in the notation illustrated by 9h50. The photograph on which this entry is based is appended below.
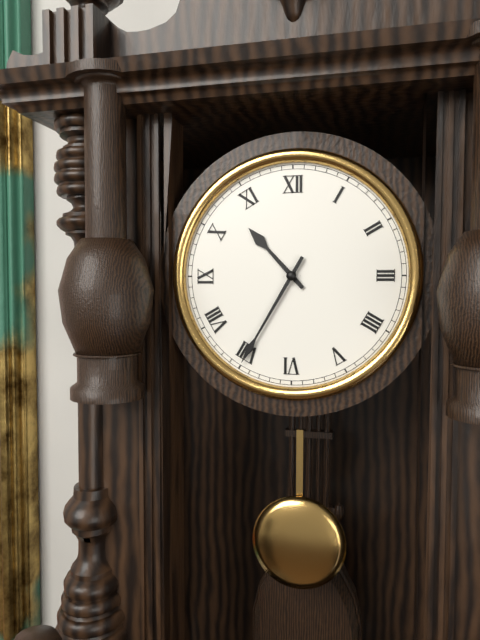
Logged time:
10h35
